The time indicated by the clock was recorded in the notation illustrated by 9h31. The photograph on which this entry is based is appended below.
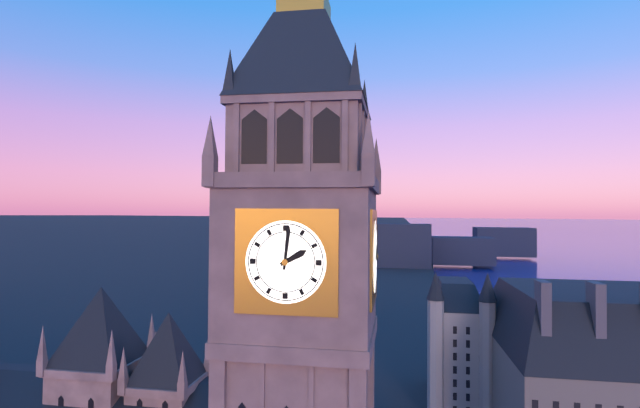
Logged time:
2h01
